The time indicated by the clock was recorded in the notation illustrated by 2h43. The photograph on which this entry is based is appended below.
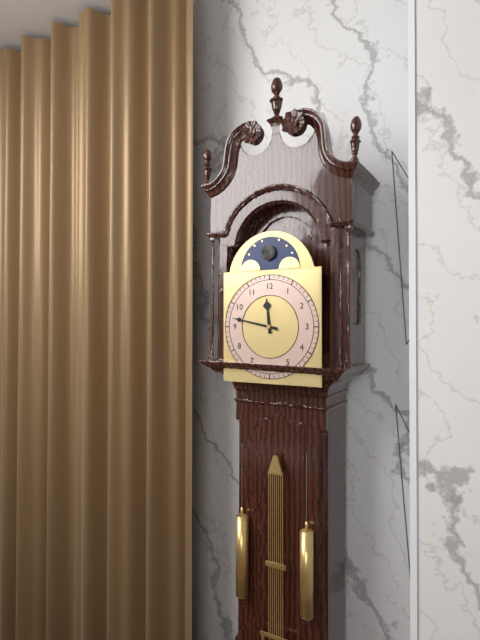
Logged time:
11h47
